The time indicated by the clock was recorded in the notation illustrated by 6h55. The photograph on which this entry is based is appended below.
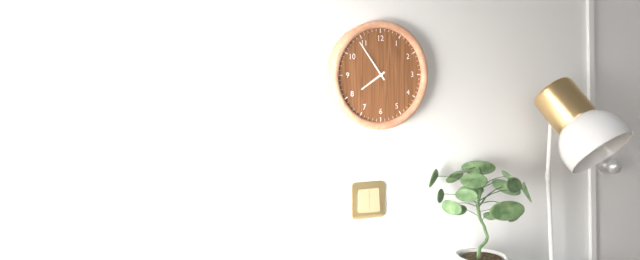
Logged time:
7h54
